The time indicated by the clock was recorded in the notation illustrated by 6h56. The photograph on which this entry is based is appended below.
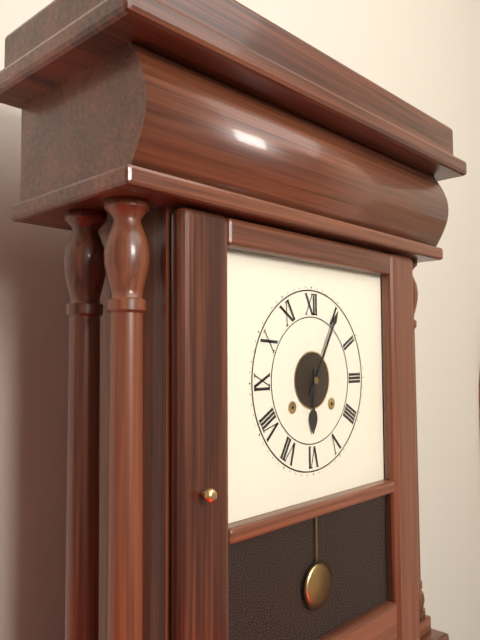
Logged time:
6h05
